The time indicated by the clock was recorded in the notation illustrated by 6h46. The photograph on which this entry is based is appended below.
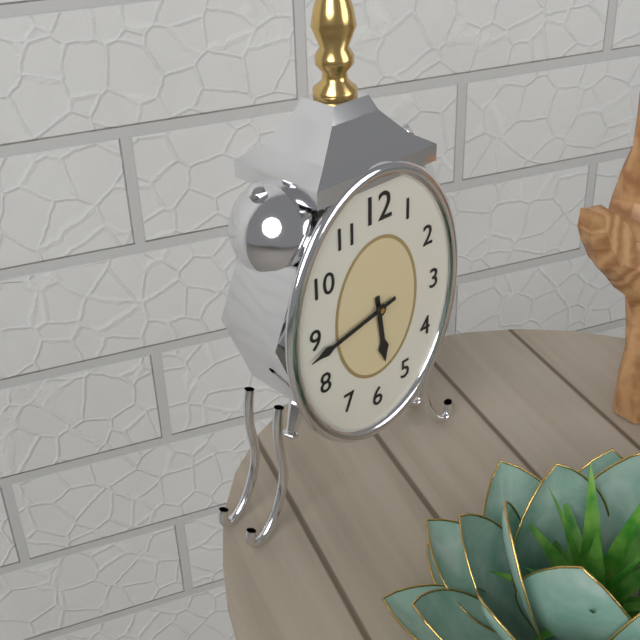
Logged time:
5h43
